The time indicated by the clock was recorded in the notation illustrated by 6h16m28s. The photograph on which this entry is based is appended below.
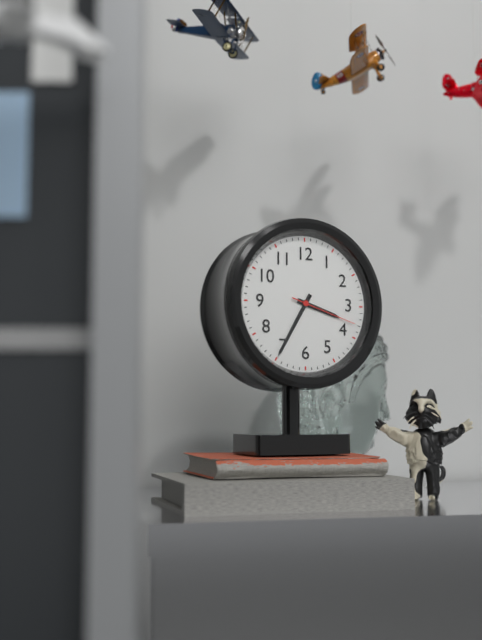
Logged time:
3h35m18s
